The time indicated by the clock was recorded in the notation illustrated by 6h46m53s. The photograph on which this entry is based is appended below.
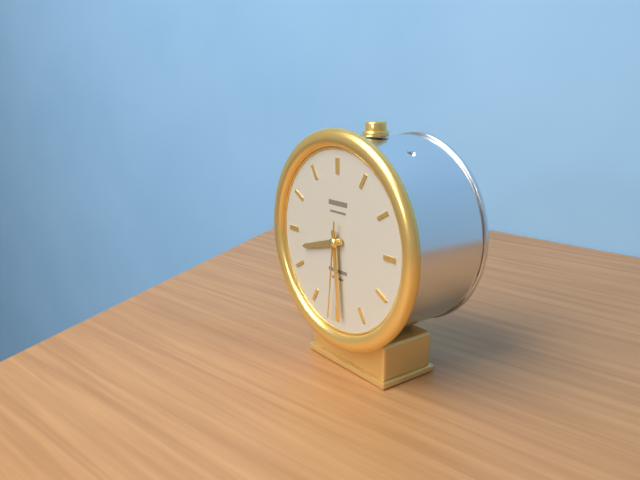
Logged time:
8h29m31s
